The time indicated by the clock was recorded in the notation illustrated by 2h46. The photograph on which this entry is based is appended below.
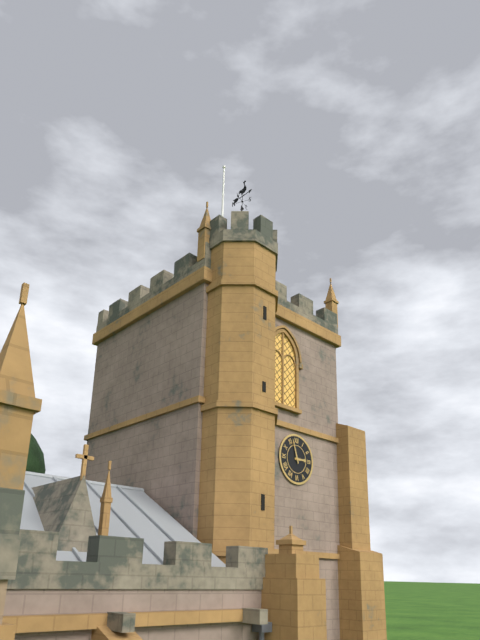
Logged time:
2h57
